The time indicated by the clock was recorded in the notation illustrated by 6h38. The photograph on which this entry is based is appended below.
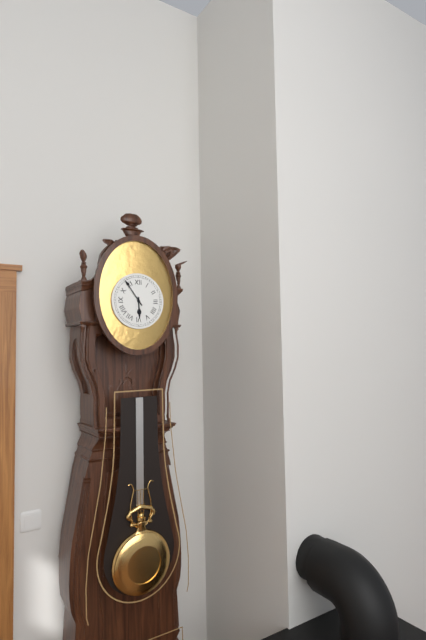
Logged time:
5h54
